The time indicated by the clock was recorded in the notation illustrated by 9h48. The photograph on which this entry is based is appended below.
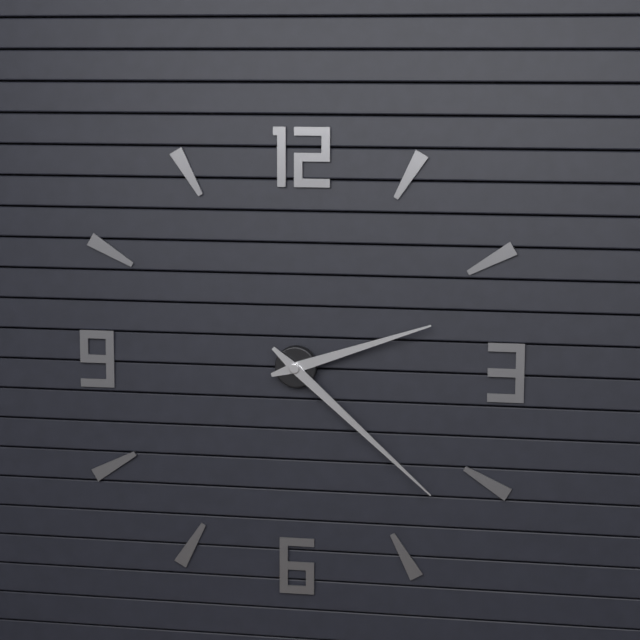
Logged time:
2h22
